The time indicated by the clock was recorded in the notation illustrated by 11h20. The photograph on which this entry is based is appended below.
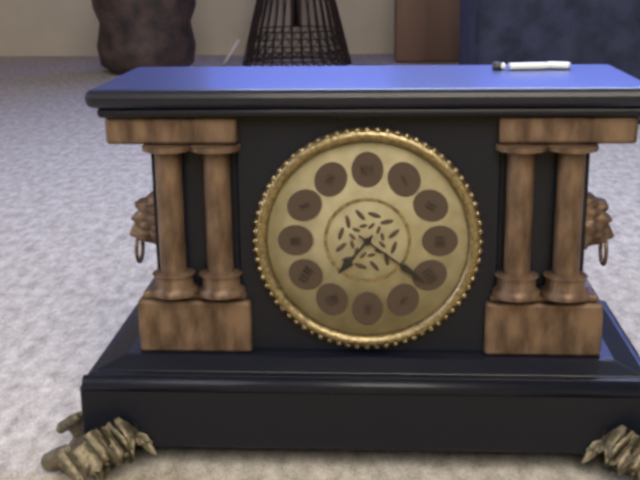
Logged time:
7h21
